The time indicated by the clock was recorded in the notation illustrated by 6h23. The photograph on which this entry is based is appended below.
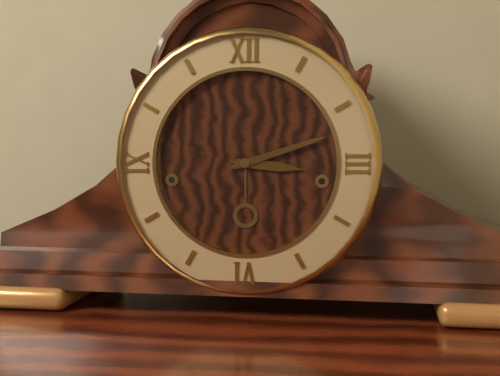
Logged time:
3h12
